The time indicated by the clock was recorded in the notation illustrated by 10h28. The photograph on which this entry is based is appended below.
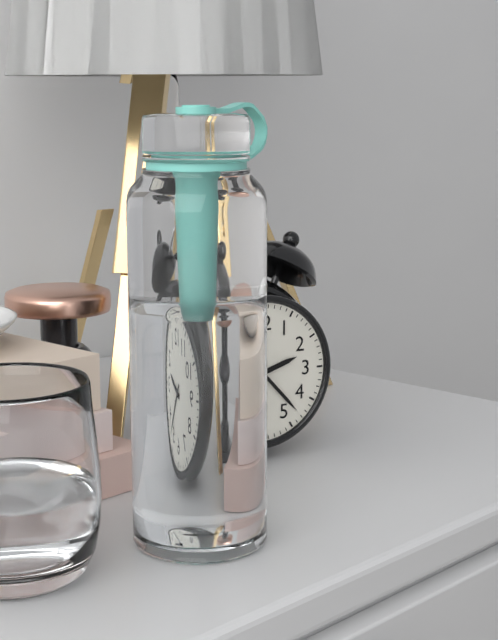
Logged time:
2h23
